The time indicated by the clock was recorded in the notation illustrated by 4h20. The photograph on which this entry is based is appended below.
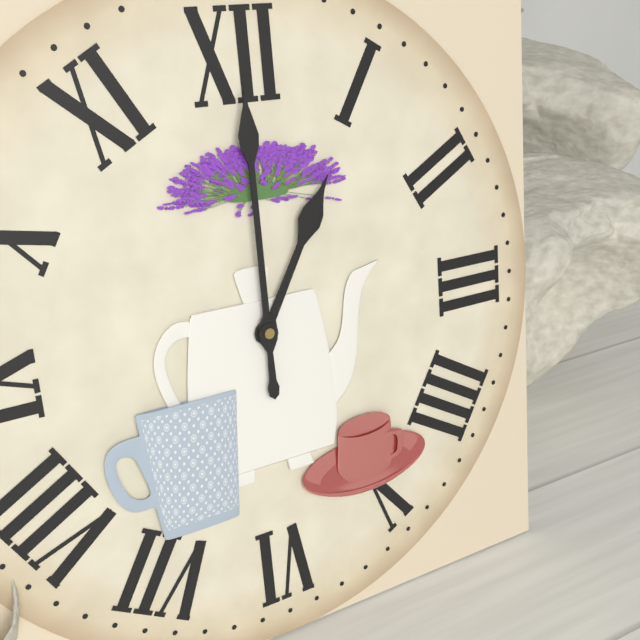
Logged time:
1h00
